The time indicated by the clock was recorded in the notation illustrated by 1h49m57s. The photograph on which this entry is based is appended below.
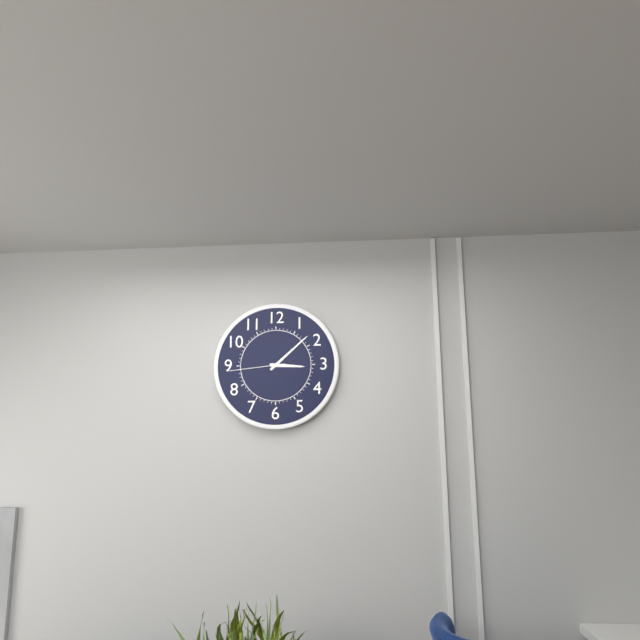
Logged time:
3h08m44s
